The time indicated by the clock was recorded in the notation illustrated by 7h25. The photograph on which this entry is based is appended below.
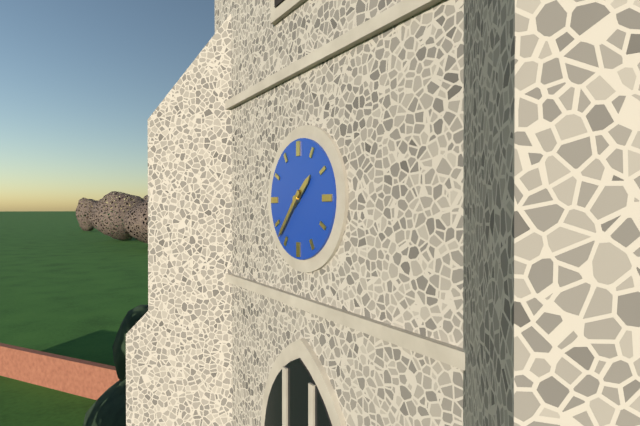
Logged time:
1h37
